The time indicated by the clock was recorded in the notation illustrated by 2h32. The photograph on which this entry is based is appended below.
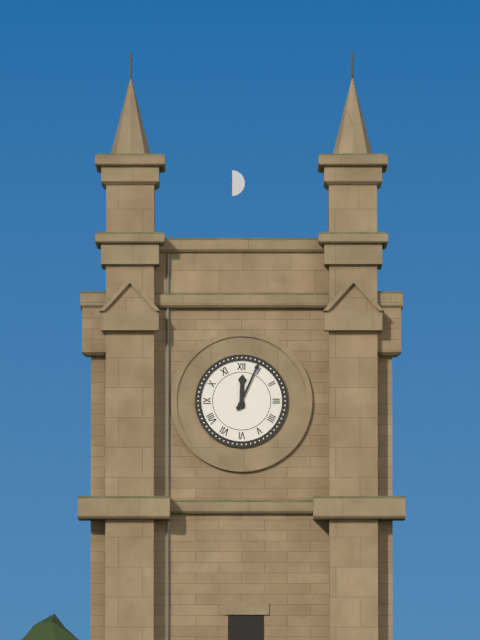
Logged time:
12h04
